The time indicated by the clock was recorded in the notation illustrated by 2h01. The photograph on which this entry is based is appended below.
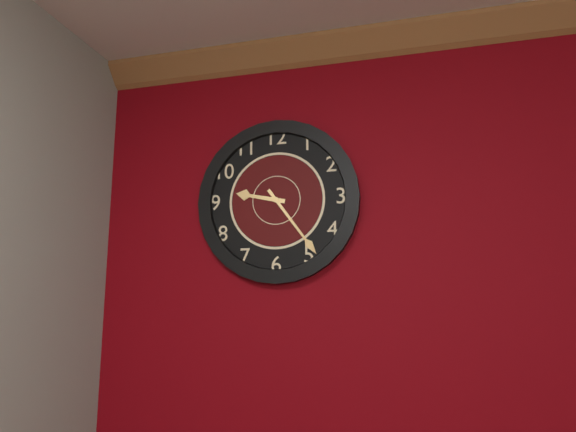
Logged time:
9h24
